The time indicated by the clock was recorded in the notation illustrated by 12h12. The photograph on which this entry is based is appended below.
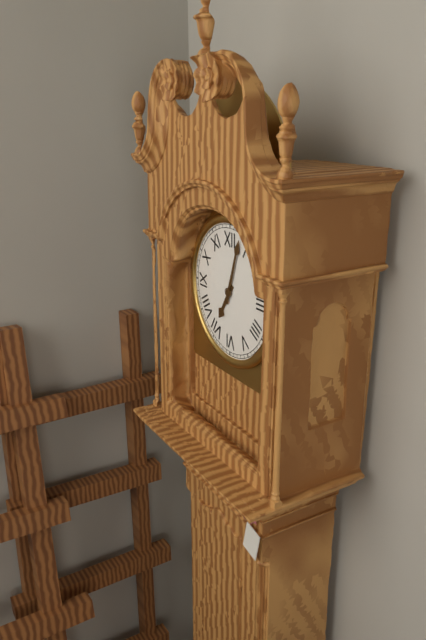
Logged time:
7h03
